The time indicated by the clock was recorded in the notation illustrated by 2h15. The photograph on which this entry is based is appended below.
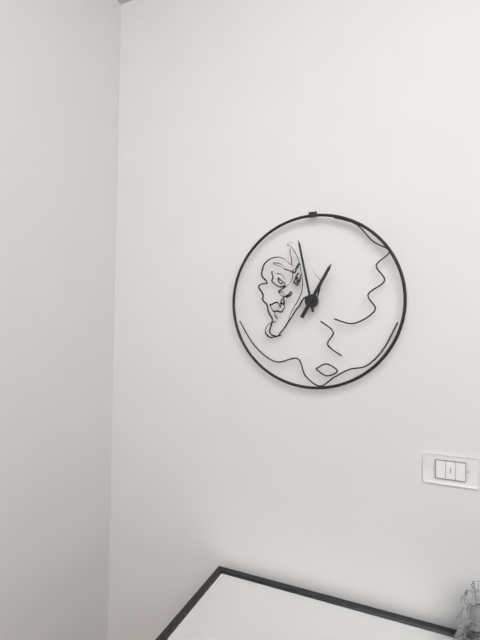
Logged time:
12h58
